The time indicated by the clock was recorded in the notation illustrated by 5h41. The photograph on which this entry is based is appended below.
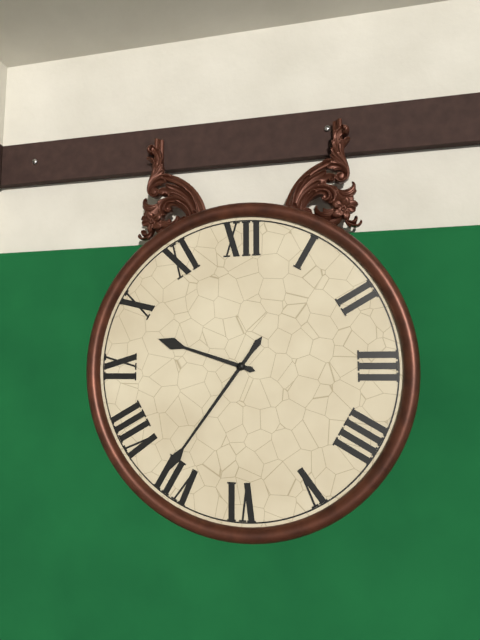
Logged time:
9h36
